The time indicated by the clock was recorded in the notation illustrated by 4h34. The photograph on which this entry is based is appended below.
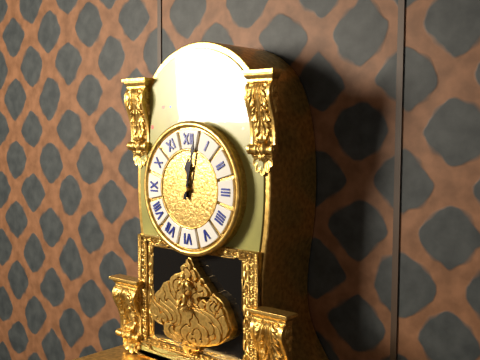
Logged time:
12h02
